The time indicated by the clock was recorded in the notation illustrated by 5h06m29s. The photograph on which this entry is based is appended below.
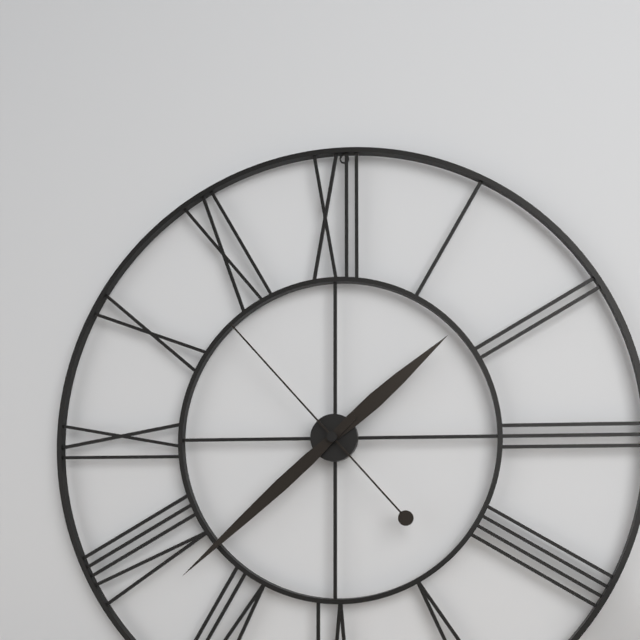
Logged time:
1h38m53s
